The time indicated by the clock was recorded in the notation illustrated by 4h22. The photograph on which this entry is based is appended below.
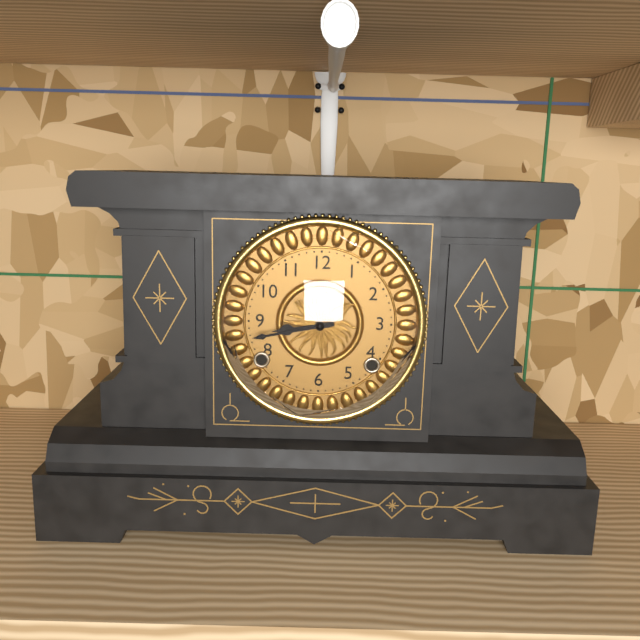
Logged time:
8h43
